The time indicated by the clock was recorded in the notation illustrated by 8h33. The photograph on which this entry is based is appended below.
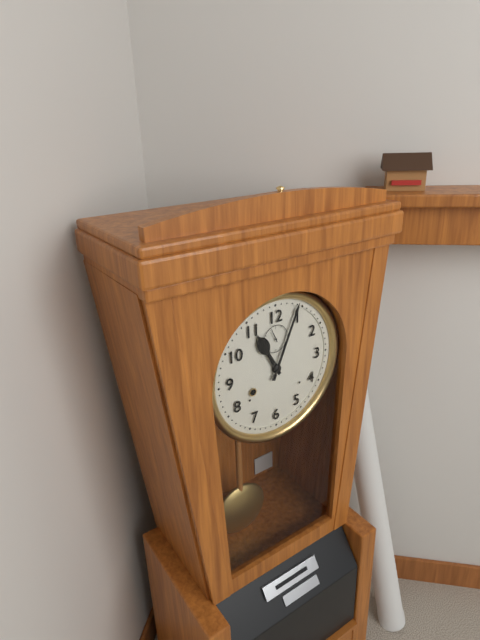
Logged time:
11h04
